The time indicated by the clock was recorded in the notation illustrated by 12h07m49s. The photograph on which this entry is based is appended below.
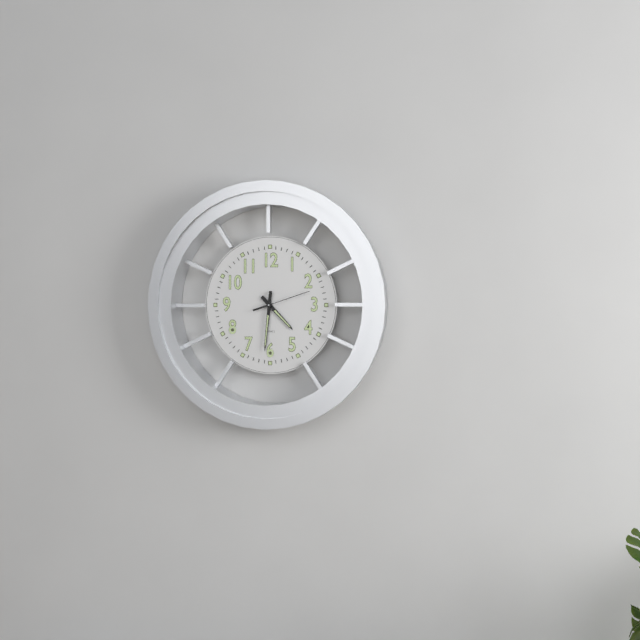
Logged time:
4h31m12s
